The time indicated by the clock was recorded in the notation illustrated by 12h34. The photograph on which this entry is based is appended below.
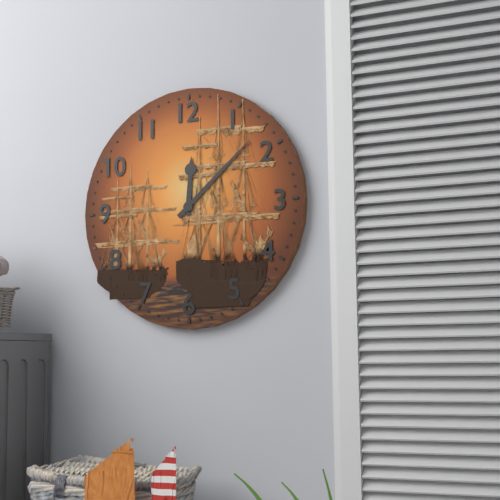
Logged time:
12h08
